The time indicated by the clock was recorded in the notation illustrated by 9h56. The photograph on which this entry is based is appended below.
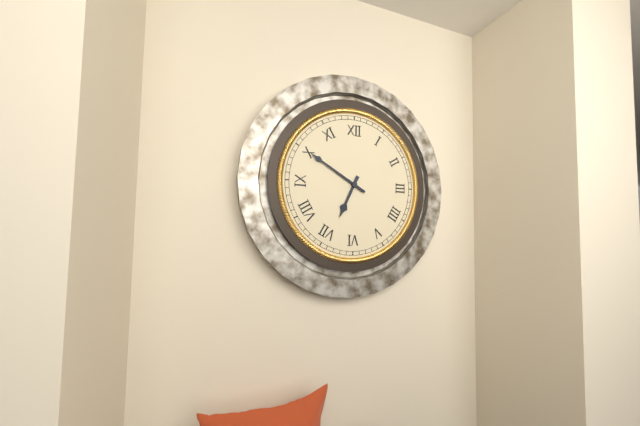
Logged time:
6h50
